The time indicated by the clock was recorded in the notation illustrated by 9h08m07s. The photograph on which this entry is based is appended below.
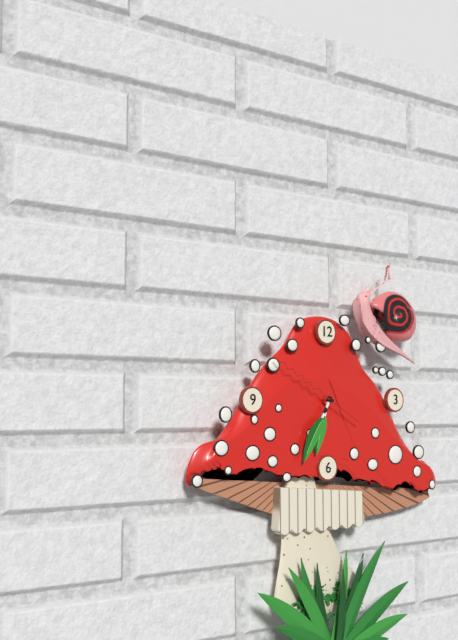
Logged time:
6h35m50s
